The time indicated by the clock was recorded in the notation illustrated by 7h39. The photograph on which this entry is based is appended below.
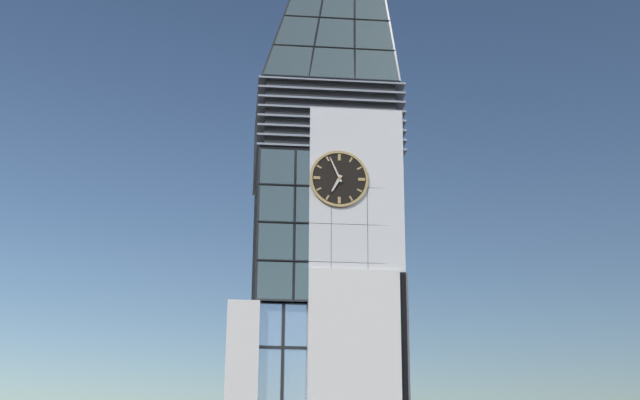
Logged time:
6h56
